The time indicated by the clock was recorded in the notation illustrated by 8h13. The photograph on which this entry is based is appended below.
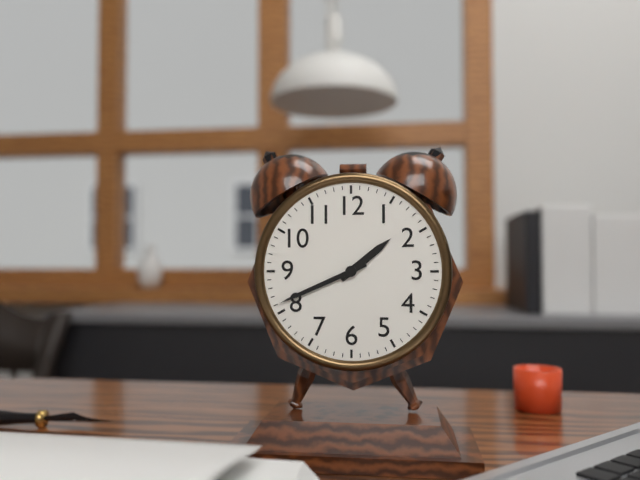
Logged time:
1h41
